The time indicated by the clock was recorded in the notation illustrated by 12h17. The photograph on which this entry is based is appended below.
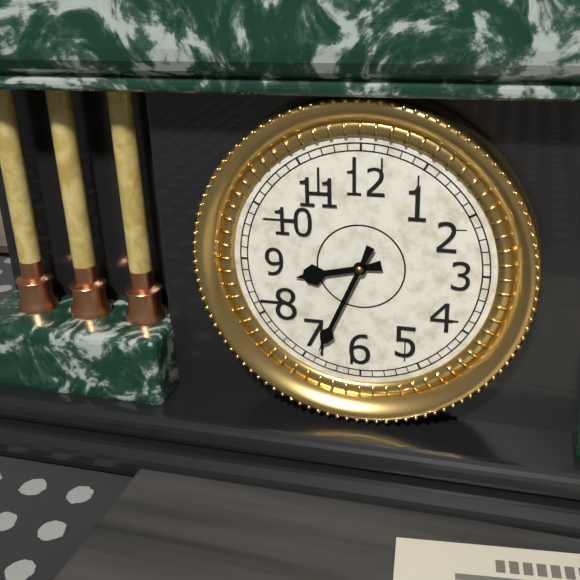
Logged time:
8h34
